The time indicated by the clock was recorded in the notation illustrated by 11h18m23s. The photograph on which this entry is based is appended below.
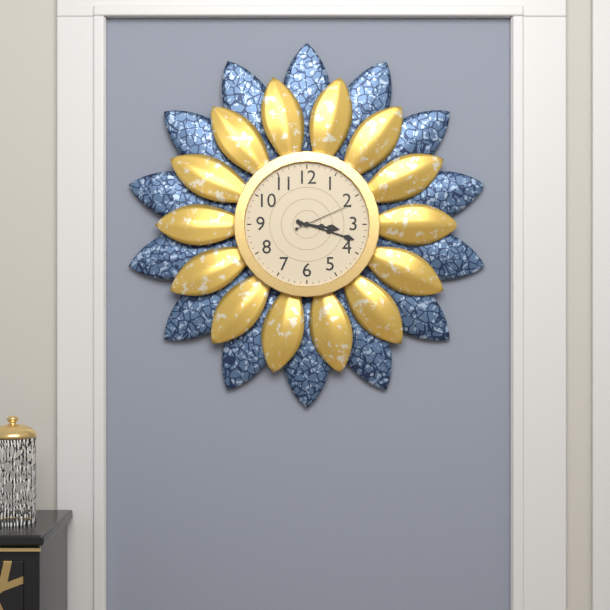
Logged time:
3h18m11s
